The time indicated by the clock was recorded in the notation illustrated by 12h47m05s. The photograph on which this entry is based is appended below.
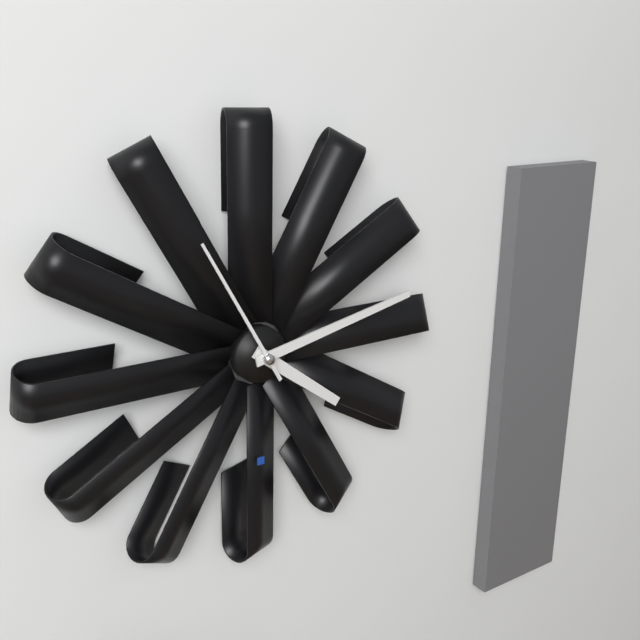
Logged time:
4h13m55s
